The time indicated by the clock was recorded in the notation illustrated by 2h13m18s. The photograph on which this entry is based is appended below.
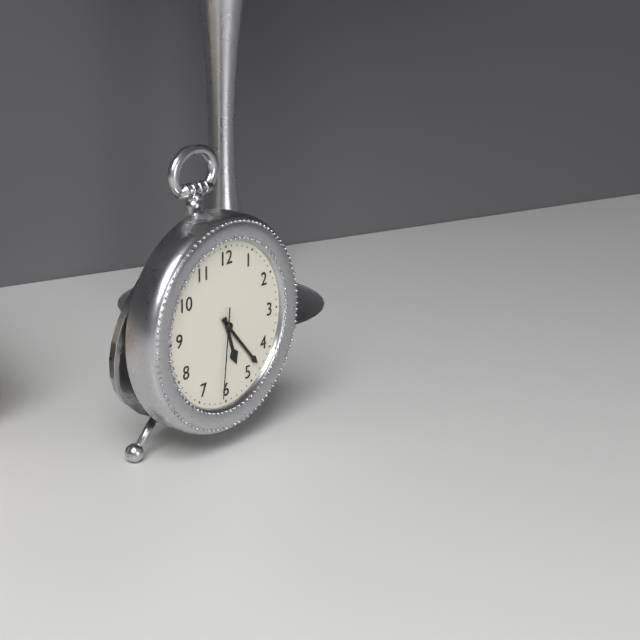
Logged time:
5h23m31s
